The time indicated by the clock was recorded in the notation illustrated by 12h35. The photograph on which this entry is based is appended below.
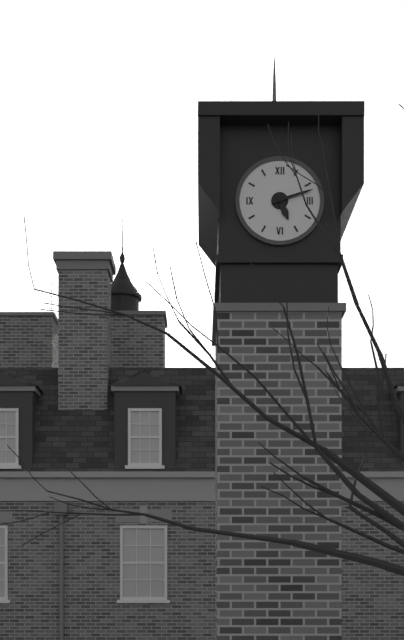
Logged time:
5h12
